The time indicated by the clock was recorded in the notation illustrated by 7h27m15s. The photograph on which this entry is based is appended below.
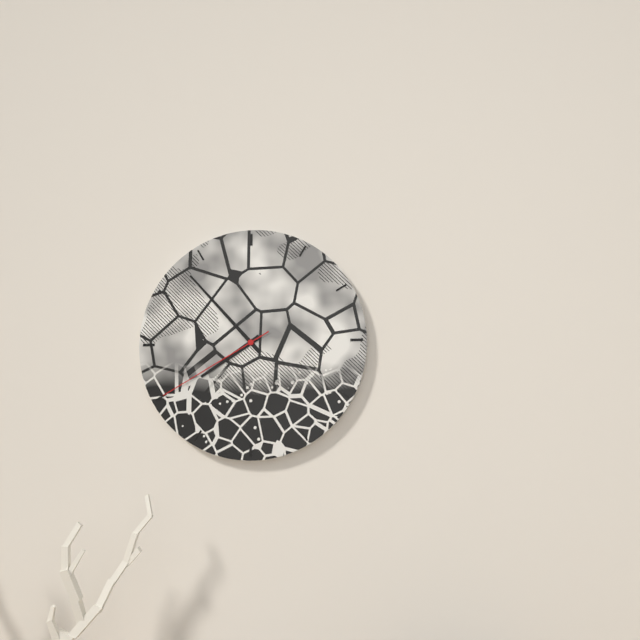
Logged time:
7h53m40s
